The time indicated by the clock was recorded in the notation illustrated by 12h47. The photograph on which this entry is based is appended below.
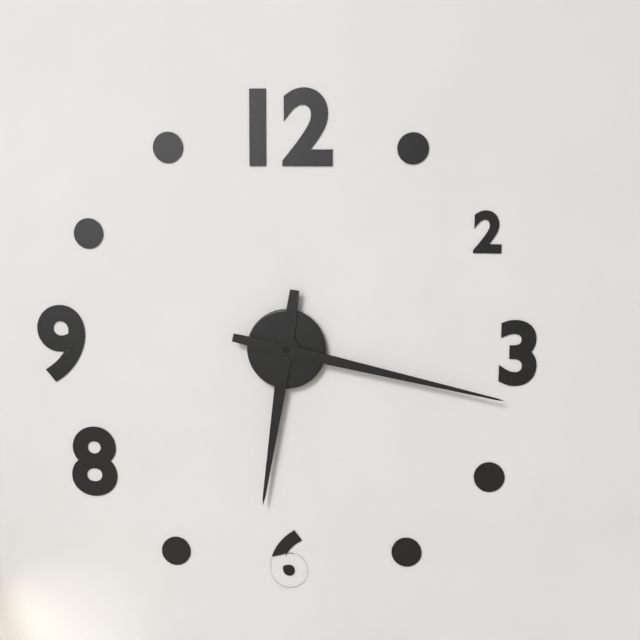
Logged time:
6h17
